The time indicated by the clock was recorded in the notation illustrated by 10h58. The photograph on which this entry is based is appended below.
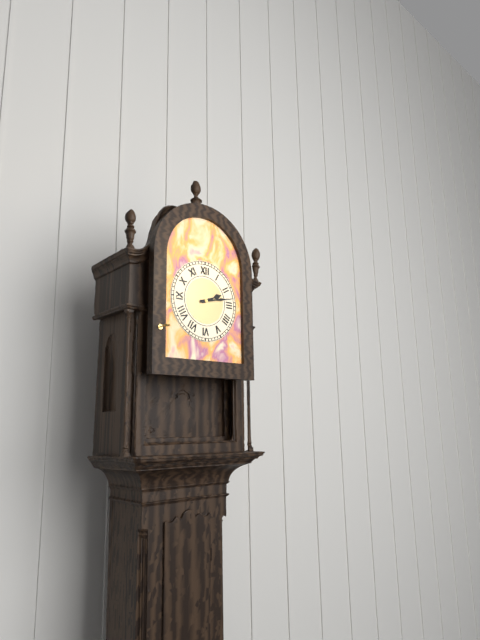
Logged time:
2h13
